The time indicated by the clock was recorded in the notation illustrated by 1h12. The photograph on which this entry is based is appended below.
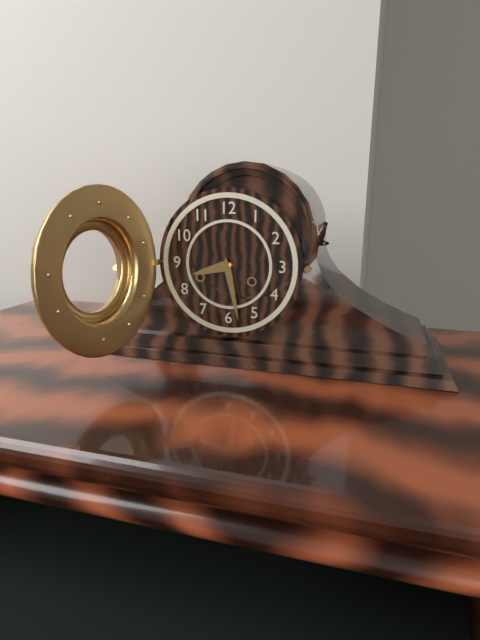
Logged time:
8h28
